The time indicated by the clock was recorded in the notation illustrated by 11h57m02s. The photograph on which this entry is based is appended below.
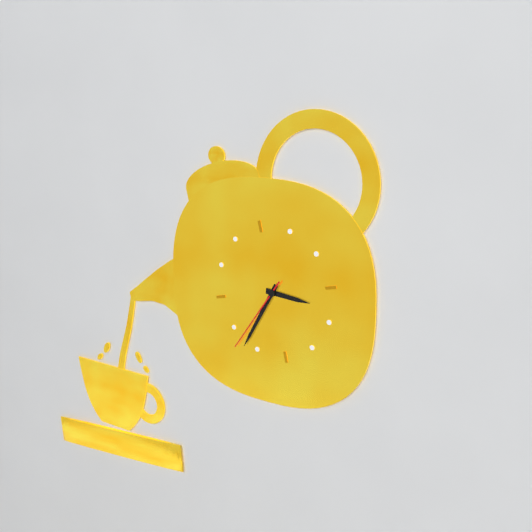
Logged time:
3h37m38s
